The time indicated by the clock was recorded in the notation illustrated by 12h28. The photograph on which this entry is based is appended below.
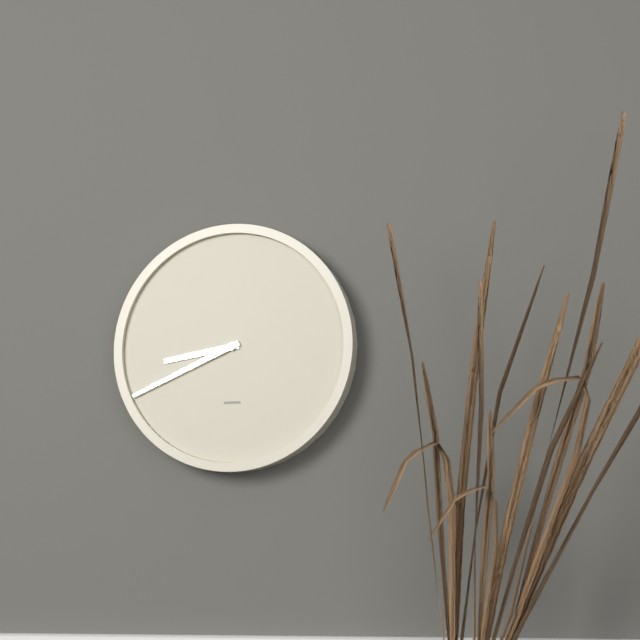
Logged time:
8h41
